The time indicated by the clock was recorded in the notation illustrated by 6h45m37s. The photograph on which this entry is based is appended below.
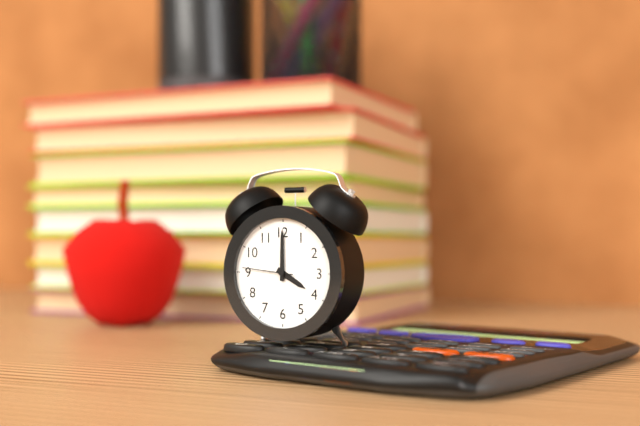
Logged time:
4h00m46s
